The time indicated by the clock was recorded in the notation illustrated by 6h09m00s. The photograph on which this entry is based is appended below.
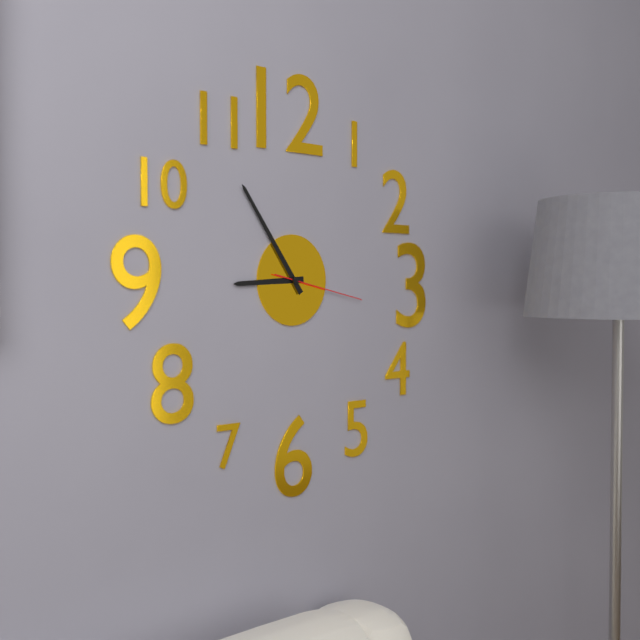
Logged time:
8h54m17s
